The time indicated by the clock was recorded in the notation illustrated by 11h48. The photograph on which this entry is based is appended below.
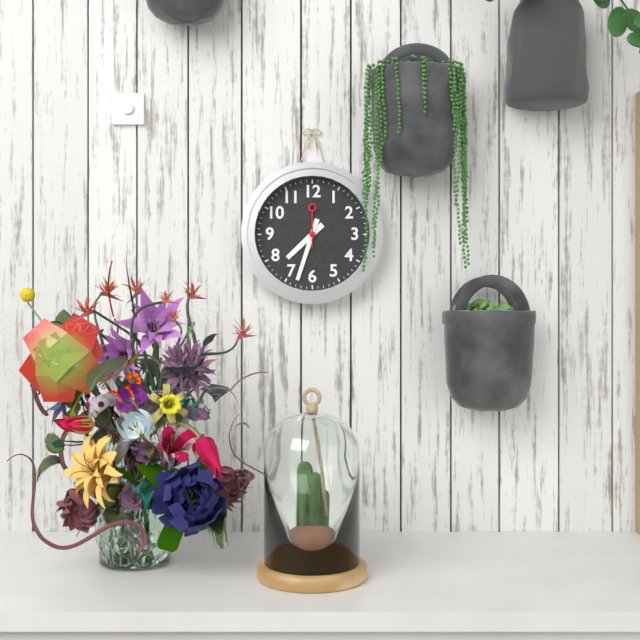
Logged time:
7h33
